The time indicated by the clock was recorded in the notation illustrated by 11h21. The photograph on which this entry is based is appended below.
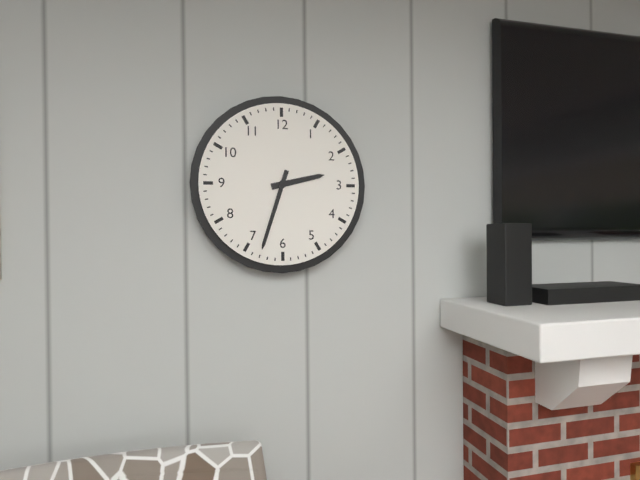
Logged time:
2h33
